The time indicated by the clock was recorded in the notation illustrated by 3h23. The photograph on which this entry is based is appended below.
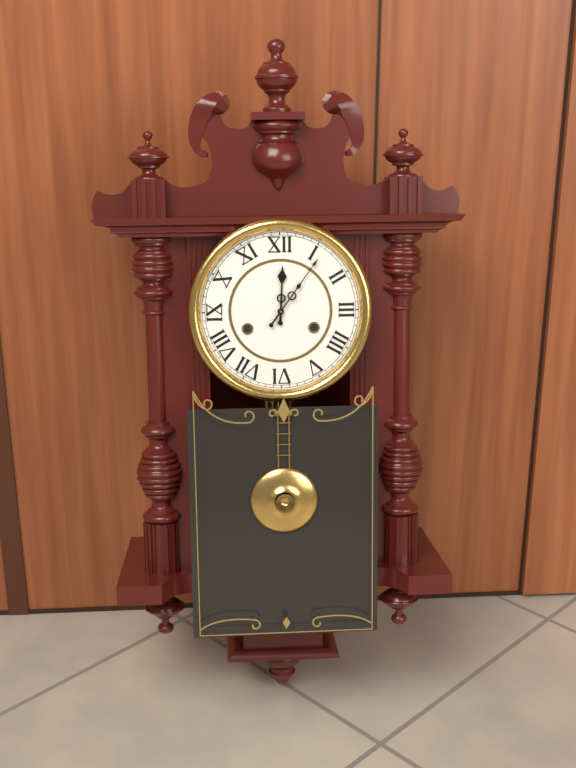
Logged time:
12h06
